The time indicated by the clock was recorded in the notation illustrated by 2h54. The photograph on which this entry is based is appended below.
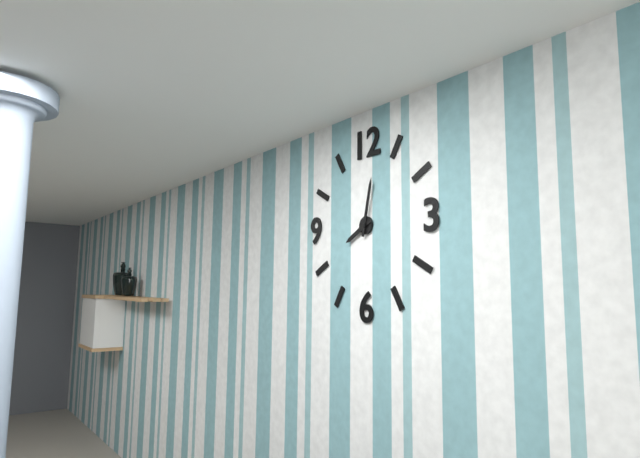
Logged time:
8h02
